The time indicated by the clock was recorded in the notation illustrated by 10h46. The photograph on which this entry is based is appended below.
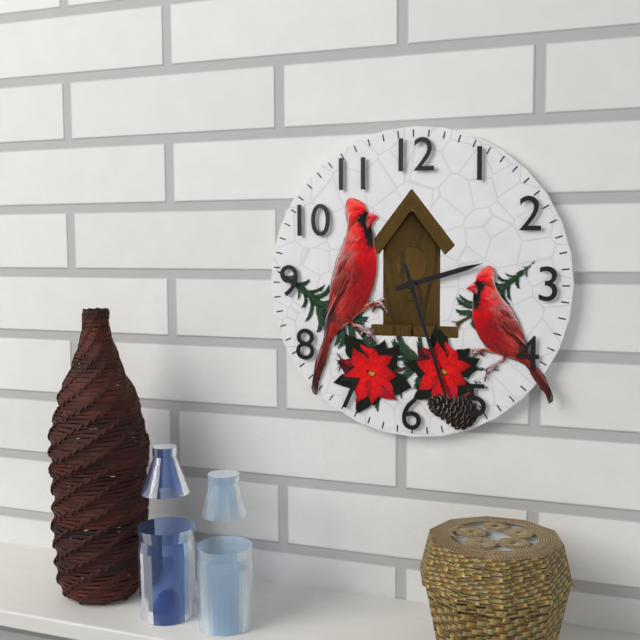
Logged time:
2h27
